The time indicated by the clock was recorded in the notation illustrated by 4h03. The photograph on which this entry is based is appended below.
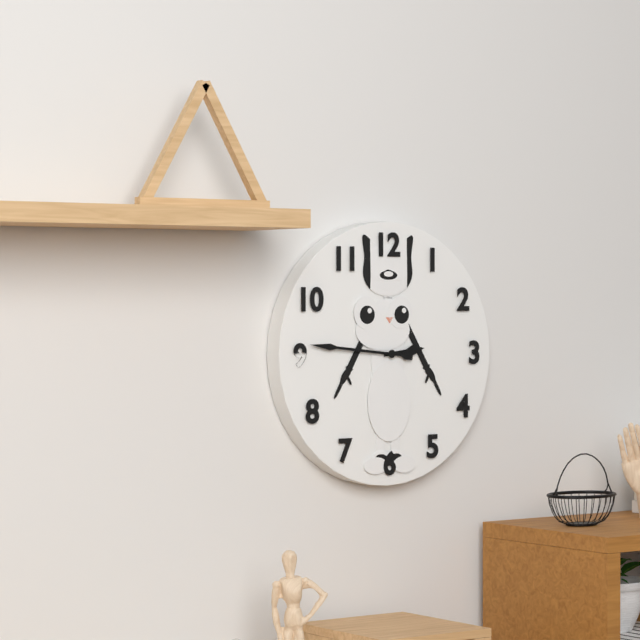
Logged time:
2h46
